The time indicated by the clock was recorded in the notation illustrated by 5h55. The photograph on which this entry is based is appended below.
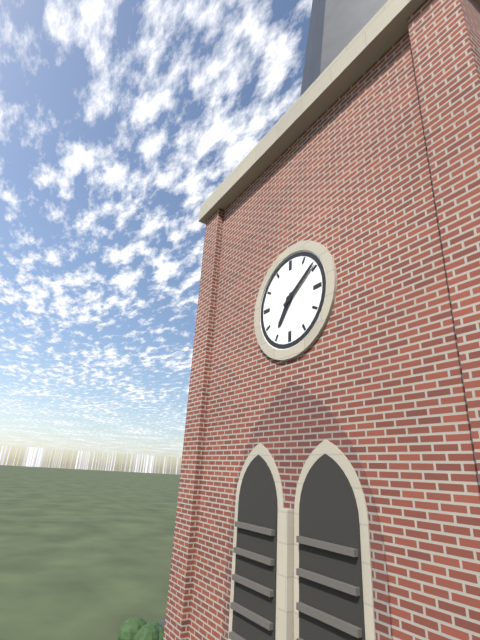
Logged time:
7h09
